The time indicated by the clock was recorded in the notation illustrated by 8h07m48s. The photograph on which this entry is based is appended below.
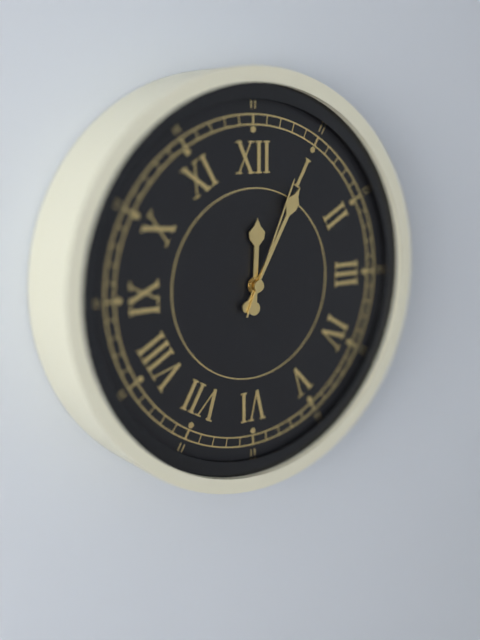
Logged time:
12h05m04s
